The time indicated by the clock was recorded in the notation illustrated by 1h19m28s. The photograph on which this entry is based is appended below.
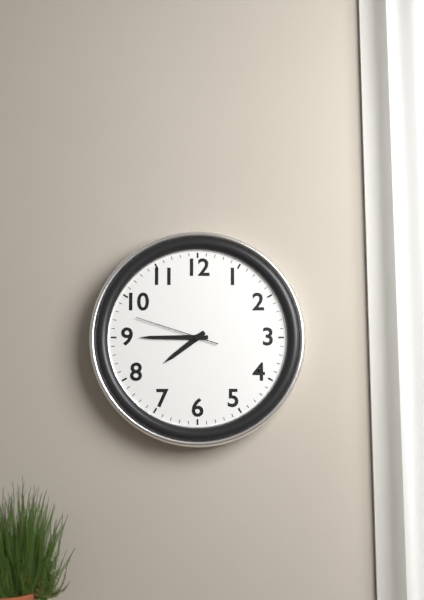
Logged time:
7h45m48s
